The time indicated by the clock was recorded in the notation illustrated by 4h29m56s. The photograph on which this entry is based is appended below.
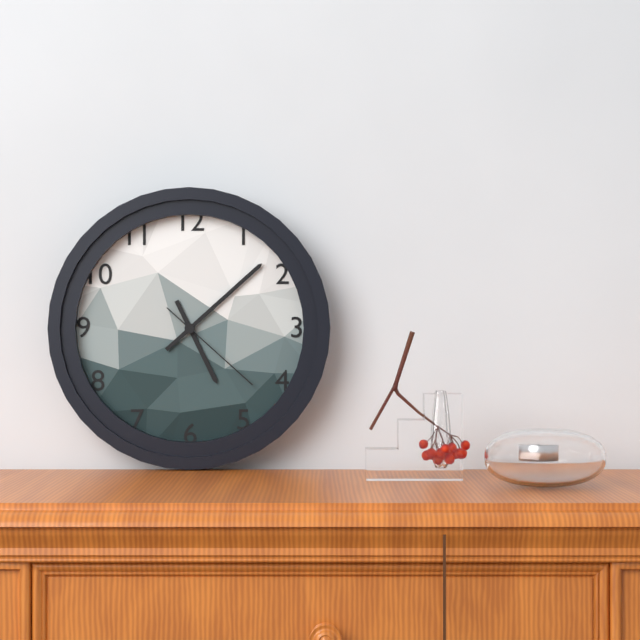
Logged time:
5h08m22s
